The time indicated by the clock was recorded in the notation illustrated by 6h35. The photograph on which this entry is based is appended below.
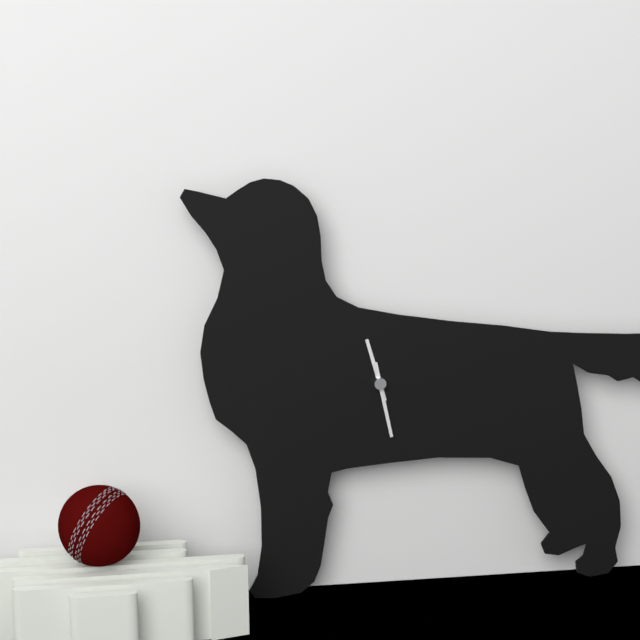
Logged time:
11h28
